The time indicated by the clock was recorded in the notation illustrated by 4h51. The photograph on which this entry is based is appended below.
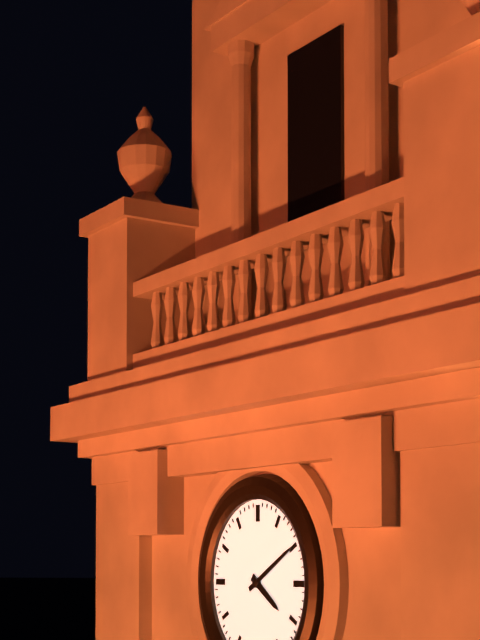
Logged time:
4h10
